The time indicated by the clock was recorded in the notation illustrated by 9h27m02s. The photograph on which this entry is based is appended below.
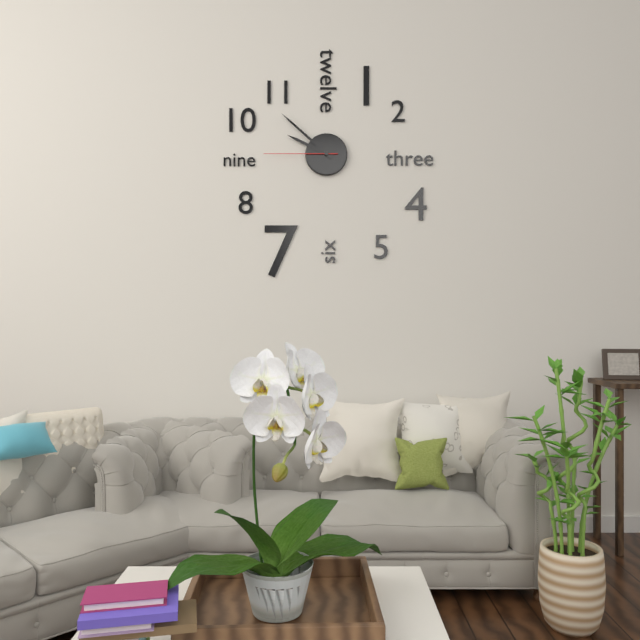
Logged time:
9h52m45s
